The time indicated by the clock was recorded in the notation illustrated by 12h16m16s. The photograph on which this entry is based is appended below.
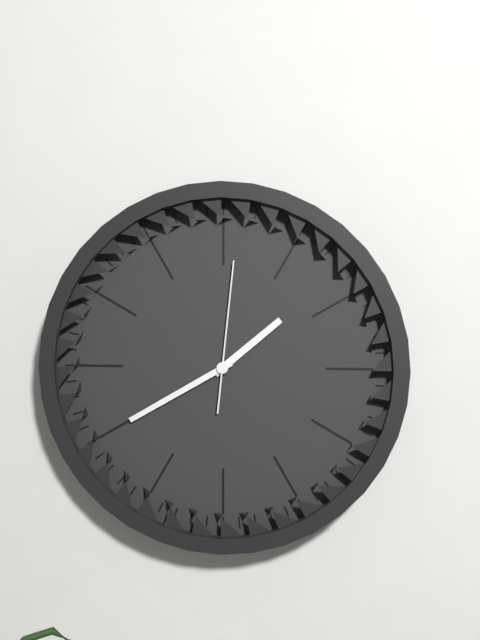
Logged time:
1h40m01s
